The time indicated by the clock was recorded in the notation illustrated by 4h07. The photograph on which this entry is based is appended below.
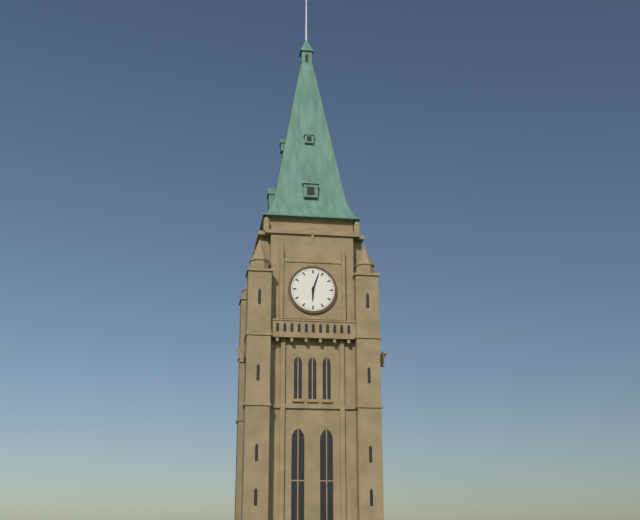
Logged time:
6h03
